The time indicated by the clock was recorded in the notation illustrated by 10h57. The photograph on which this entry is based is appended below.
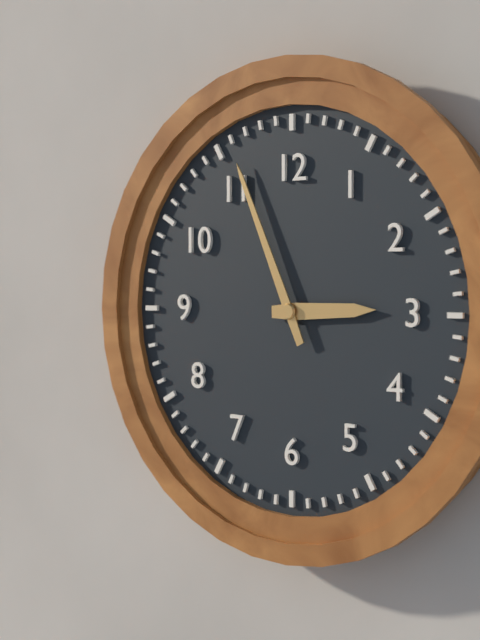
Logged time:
2h56
